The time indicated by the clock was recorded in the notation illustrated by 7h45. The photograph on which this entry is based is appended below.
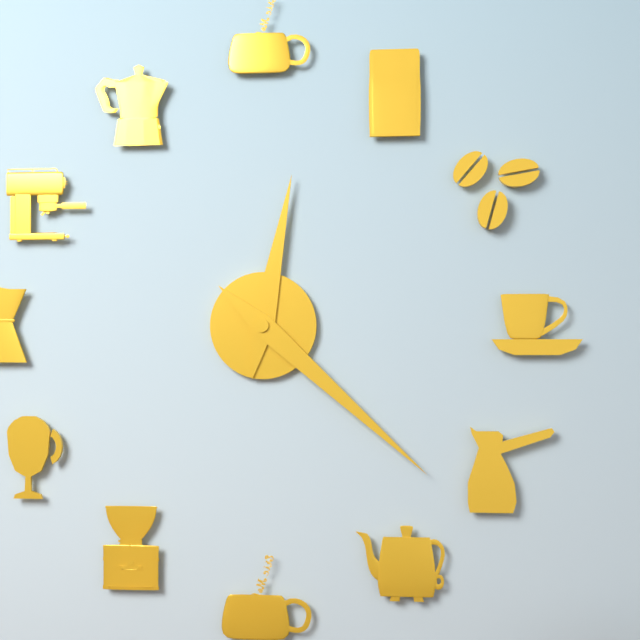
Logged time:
12h22
